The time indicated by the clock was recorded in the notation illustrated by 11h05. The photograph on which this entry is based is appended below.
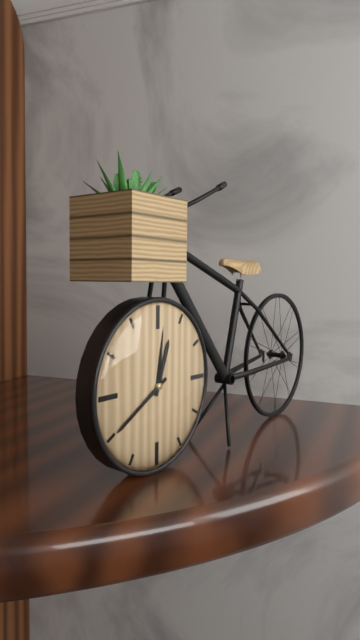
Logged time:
12h40
